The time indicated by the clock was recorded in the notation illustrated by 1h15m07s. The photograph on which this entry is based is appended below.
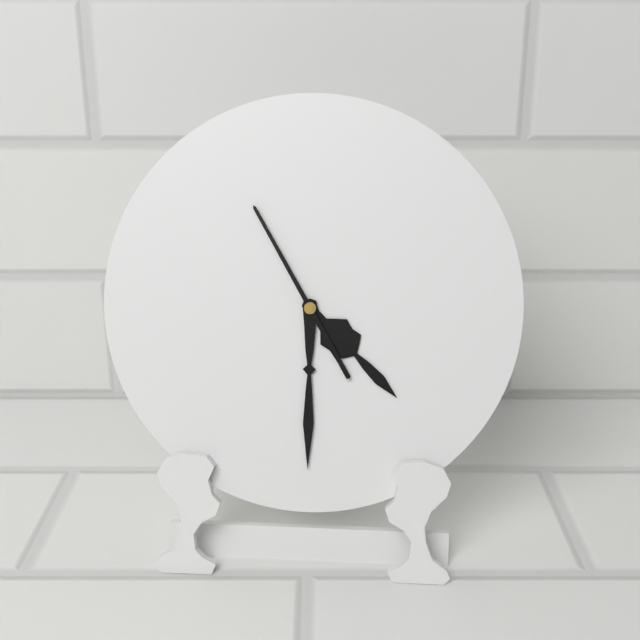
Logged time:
4h30m55s
